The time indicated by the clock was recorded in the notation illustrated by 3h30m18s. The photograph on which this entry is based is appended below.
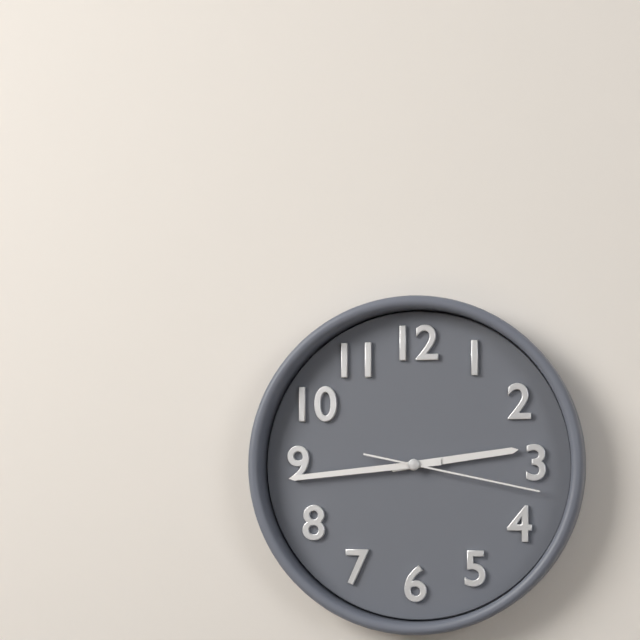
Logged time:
2h44m17s
